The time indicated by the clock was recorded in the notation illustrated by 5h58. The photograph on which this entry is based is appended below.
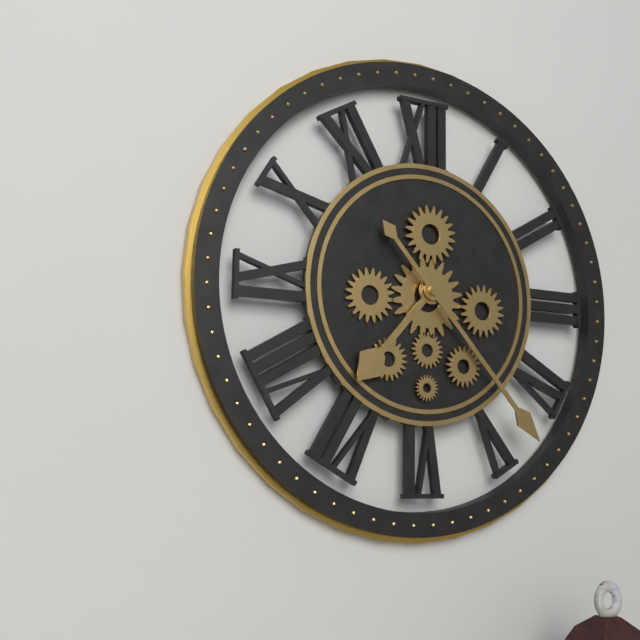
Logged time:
7h23
